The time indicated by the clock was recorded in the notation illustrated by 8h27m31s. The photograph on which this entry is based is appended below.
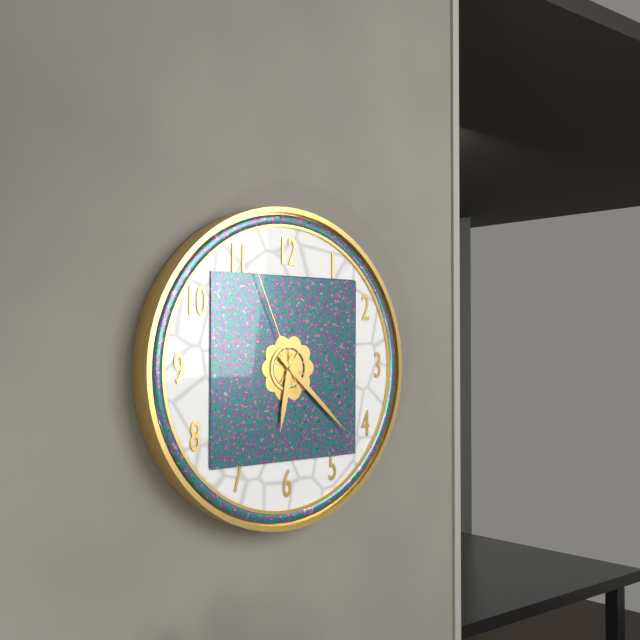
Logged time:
6h22m56s
